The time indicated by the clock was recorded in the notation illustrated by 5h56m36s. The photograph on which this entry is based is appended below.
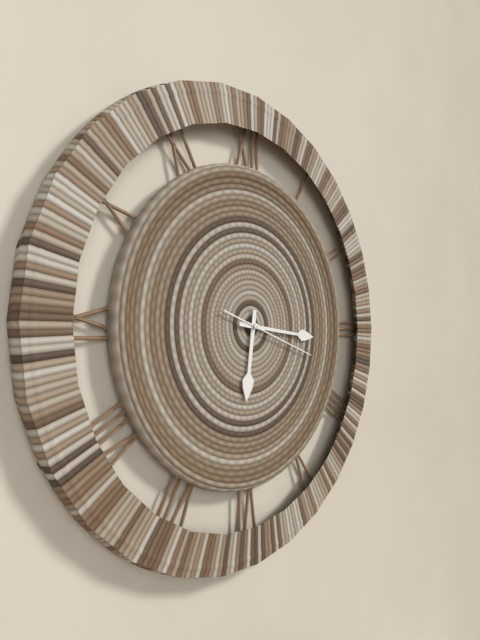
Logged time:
6h16m18s
